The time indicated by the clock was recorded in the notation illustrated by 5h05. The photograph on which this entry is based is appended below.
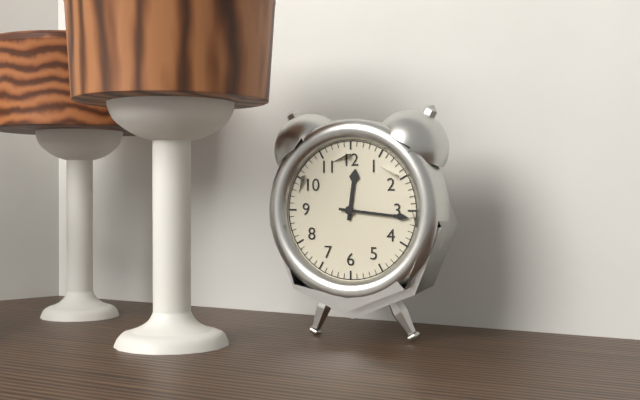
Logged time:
12h16
